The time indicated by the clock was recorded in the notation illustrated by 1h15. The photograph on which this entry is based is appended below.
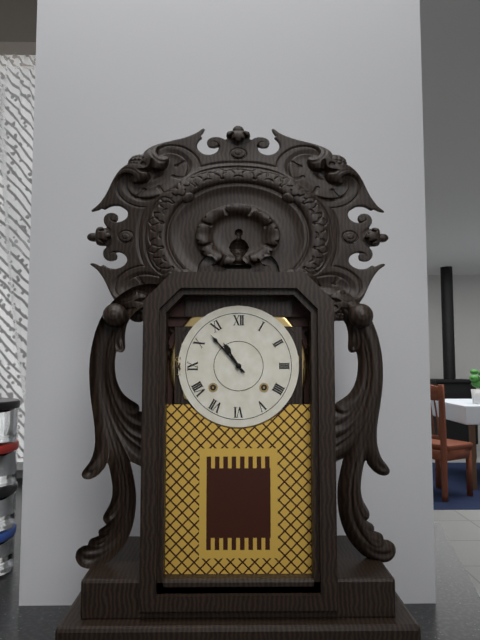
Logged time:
10h53
